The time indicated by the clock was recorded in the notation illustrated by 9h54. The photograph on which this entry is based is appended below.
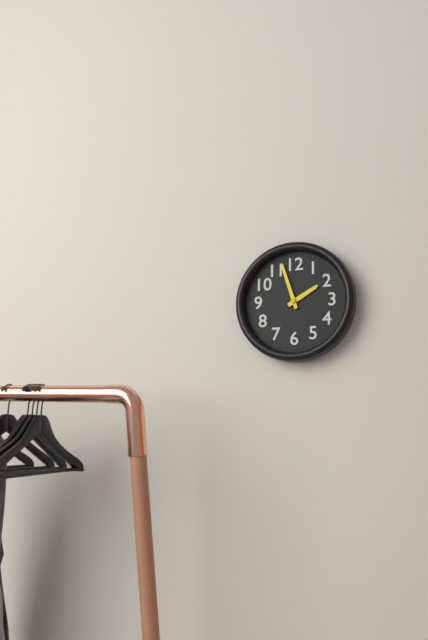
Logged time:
1h57
